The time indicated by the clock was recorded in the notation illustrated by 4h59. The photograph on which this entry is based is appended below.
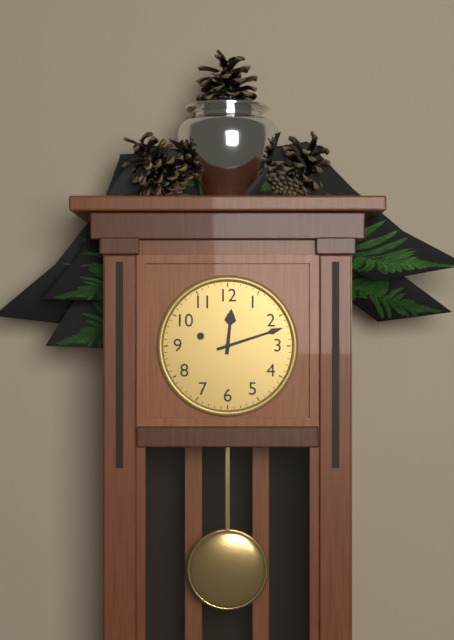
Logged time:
12h12
